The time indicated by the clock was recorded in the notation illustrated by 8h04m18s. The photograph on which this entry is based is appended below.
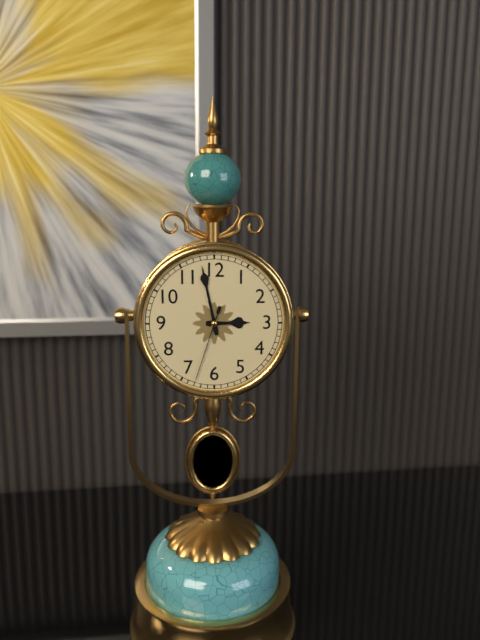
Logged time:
2h58m33s
